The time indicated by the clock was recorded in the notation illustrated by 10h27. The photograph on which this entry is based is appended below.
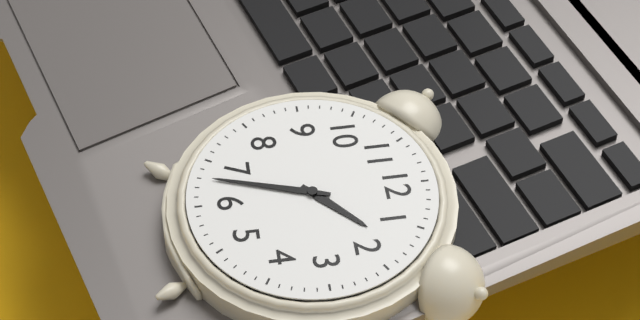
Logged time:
1h33
